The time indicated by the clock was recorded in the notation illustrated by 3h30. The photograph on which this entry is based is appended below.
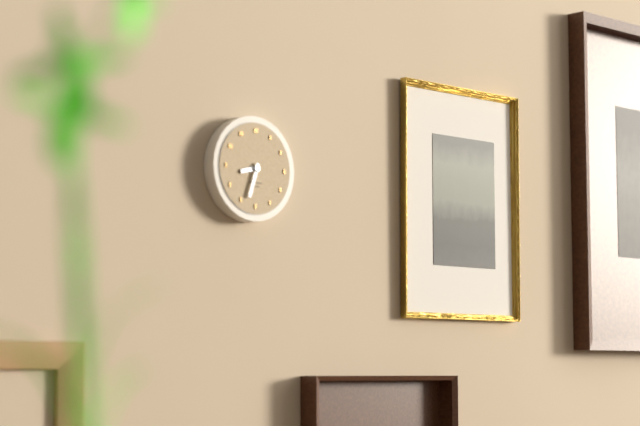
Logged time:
8h33
